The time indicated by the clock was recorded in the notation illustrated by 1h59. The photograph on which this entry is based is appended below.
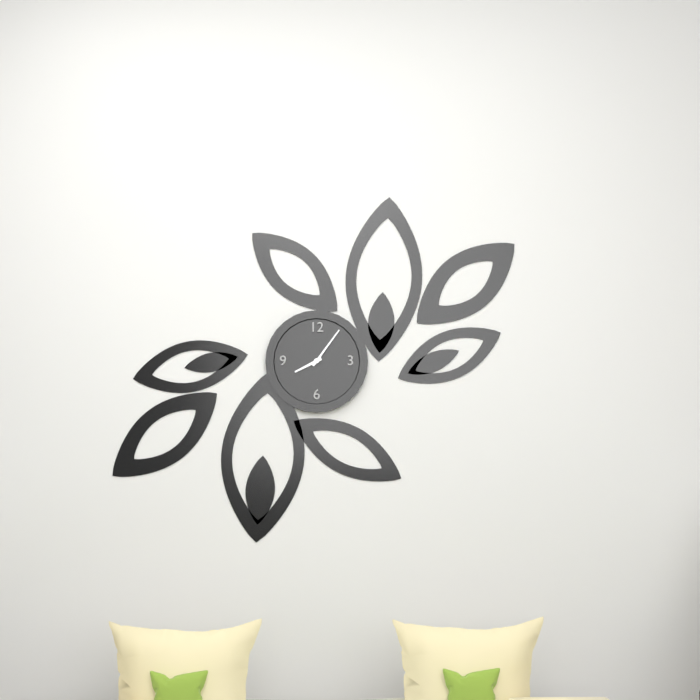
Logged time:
8h06
